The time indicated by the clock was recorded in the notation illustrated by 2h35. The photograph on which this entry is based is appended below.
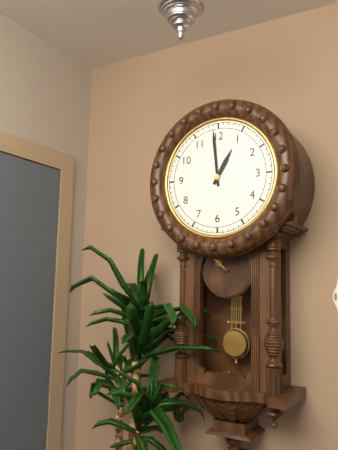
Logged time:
12h59
